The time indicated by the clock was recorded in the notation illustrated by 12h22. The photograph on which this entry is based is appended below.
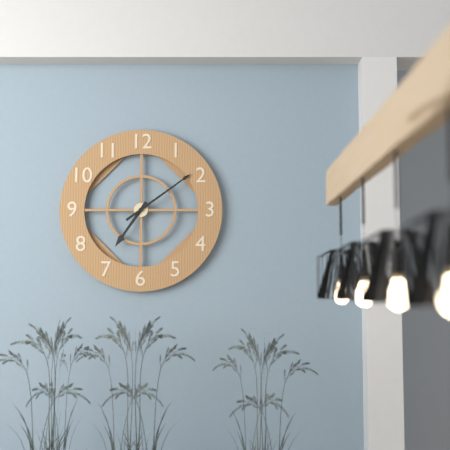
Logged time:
7h09
